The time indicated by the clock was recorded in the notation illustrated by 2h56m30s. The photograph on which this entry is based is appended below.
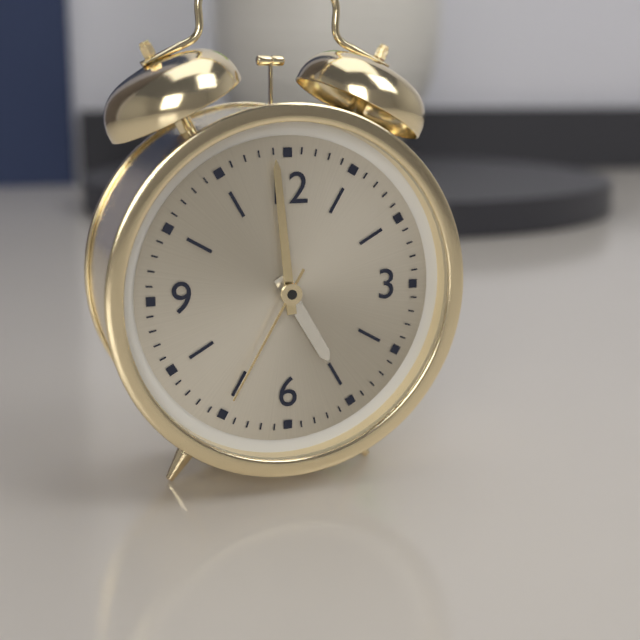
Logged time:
4h59m35s
